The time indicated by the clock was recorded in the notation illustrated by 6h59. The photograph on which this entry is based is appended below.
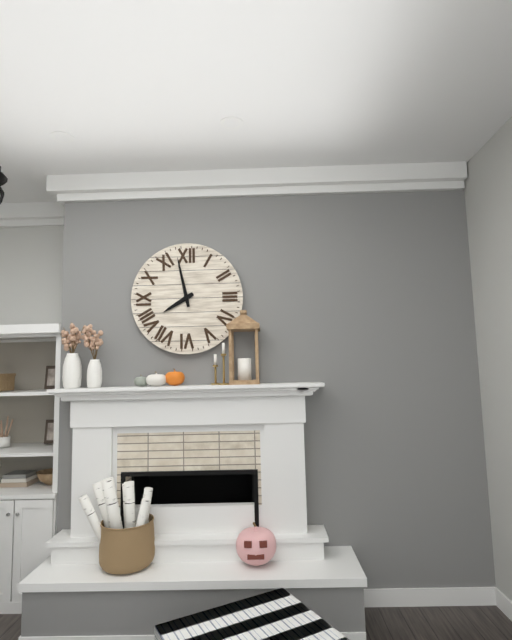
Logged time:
7h58
